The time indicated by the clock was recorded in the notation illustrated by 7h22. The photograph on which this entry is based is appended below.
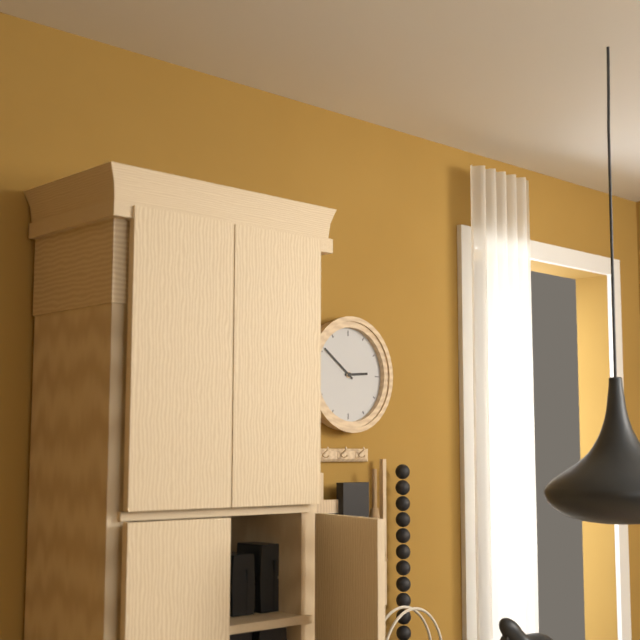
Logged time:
2h51
